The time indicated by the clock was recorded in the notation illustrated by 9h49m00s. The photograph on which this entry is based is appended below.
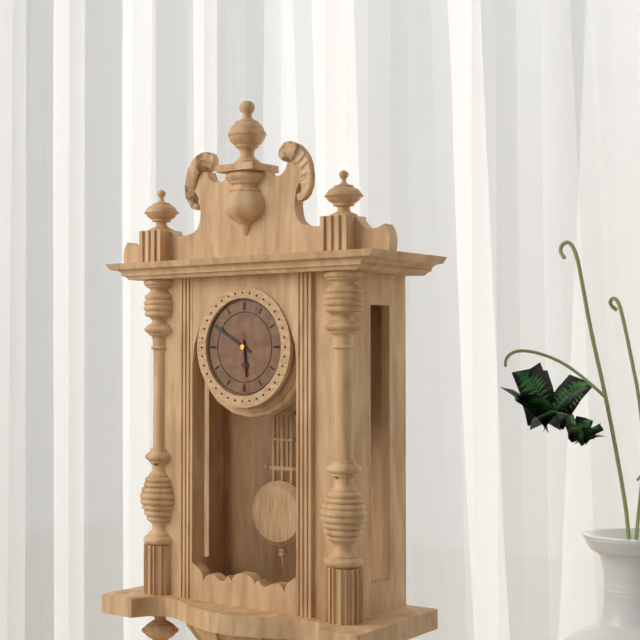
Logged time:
5h50m29s
